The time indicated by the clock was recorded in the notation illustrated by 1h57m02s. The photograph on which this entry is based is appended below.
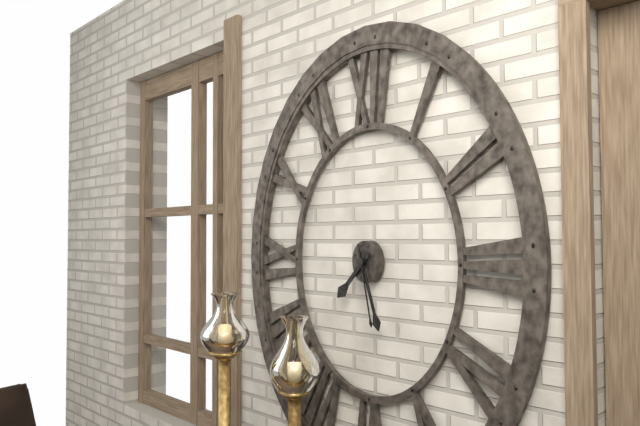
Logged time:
7h27m28s
